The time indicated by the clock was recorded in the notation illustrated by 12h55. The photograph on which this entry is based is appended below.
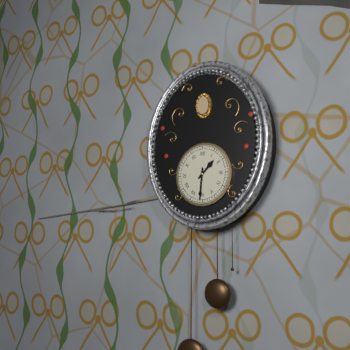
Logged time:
1h31
